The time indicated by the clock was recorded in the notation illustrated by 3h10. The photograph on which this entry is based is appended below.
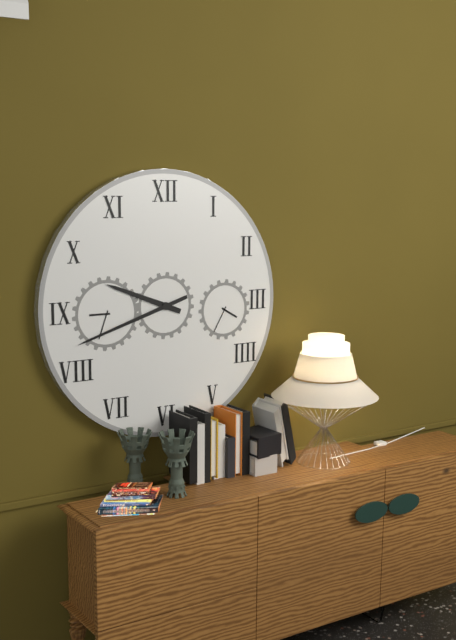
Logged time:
9h42
